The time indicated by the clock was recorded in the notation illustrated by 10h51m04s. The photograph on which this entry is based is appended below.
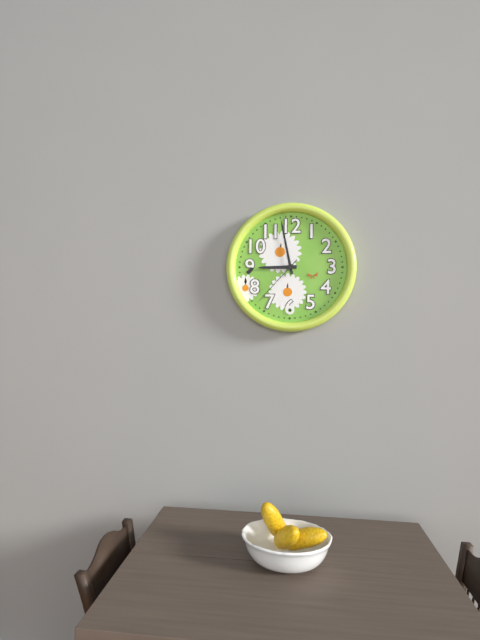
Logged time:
8h58m37s
